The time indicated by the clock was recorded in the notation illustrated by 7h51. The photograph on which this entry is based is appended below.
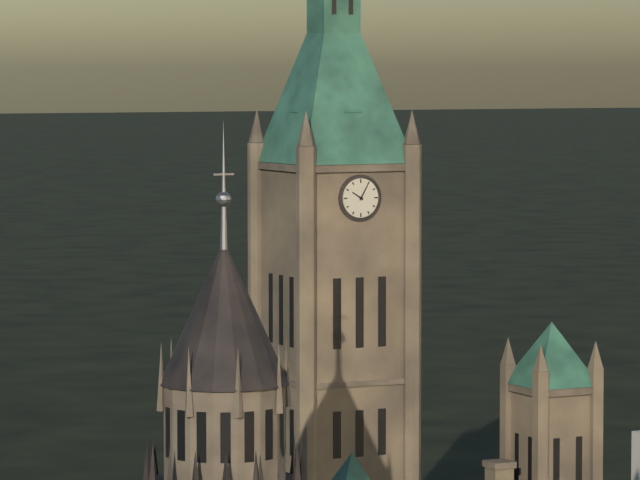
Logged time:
10h05
